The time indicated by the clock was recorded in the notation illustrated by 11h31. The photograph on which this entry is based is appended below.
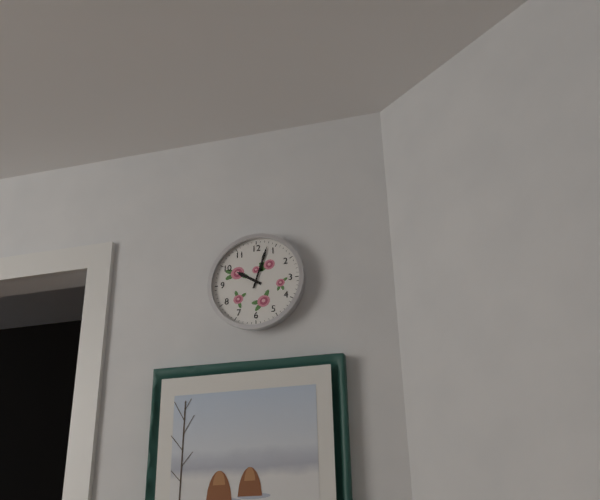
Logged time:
10h03
